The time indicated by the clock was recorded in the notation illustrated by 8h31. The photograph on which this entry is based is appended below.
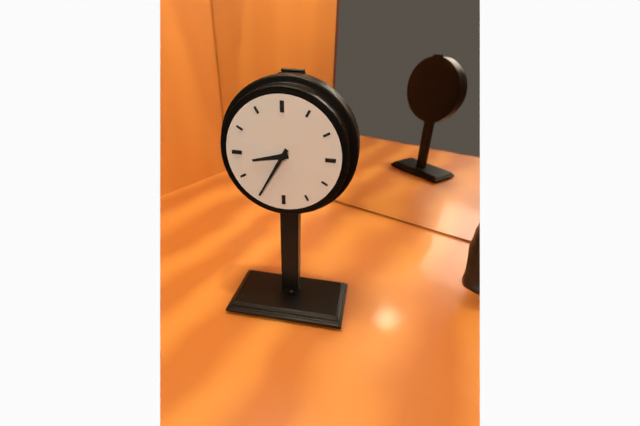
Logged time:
8h35
